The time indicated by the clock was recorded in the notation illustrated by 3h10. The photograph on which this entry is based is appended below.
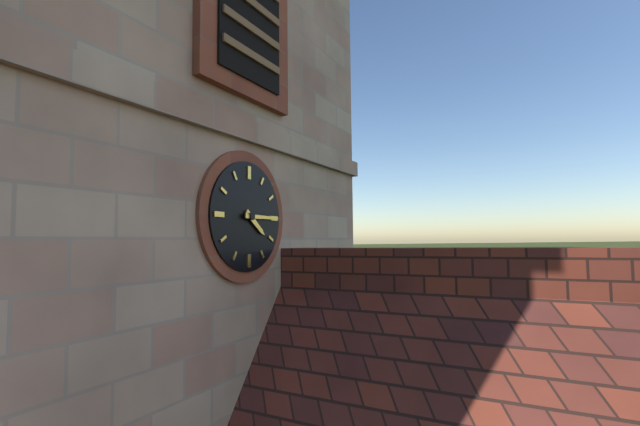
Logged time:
4h15
